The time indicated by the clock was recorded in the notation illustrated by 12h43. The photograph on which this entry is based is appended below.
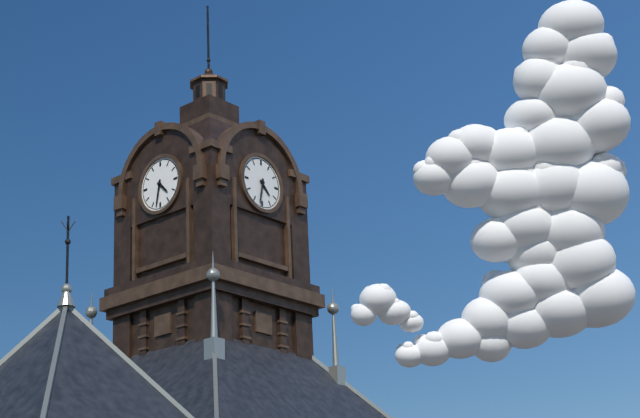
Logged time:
4h32
